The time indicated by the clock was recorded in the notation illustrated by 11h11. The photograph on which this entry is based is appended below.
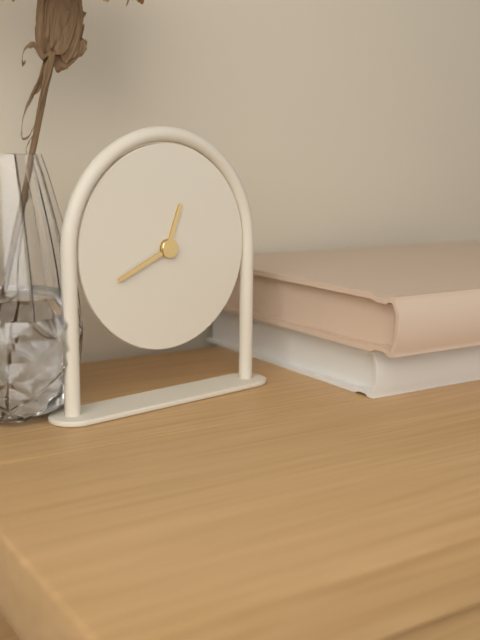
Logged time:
12h41
